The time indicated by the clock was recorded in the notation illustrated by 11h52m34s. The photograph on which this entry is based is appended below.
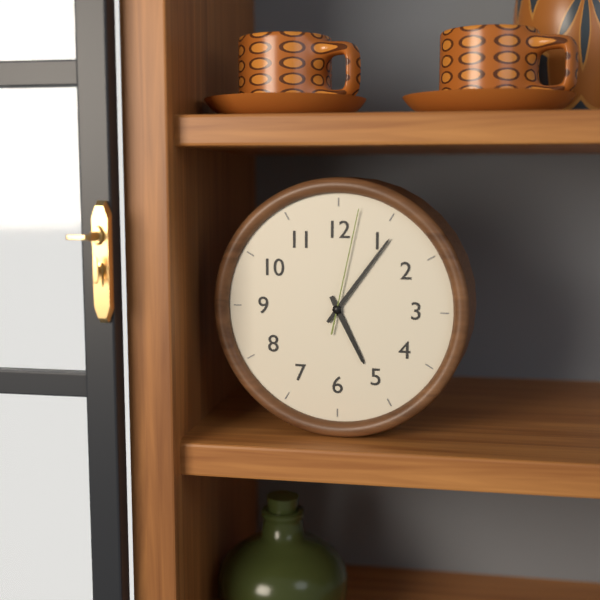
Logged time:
5h06m02s
